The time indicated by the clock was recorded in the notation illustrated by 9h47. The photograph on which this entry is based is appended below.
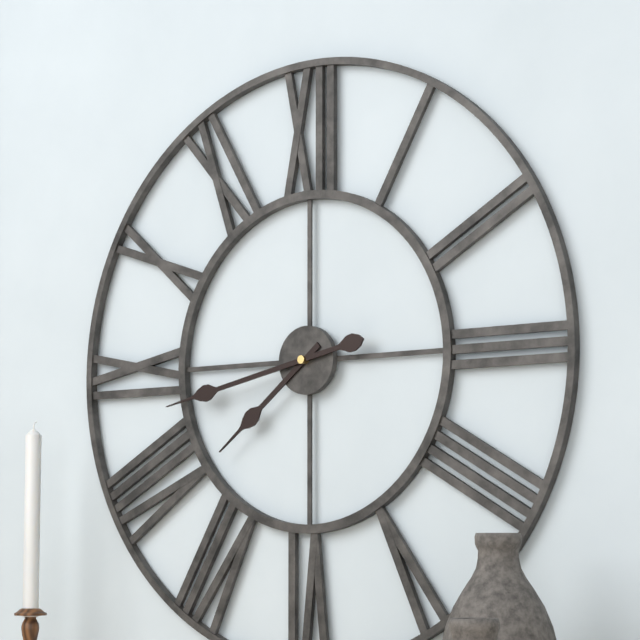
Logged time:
7h43
